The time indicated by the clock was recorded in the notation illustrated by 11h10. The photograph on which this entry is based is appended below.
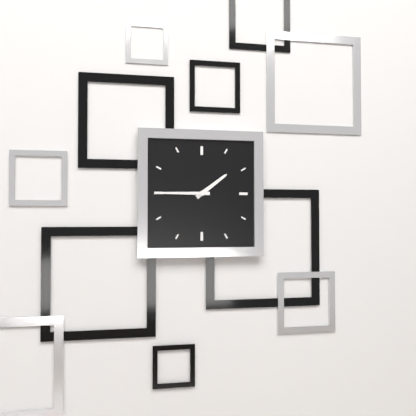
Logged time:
1h45
